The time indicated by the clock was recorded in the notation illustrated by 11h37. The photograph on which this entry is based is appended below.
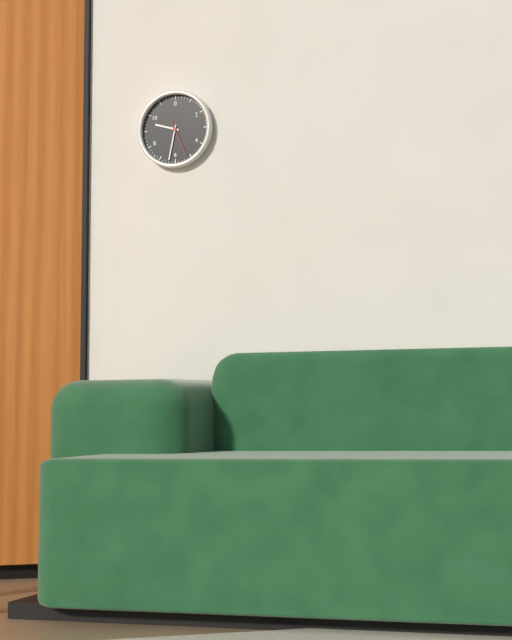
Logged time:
9h32
